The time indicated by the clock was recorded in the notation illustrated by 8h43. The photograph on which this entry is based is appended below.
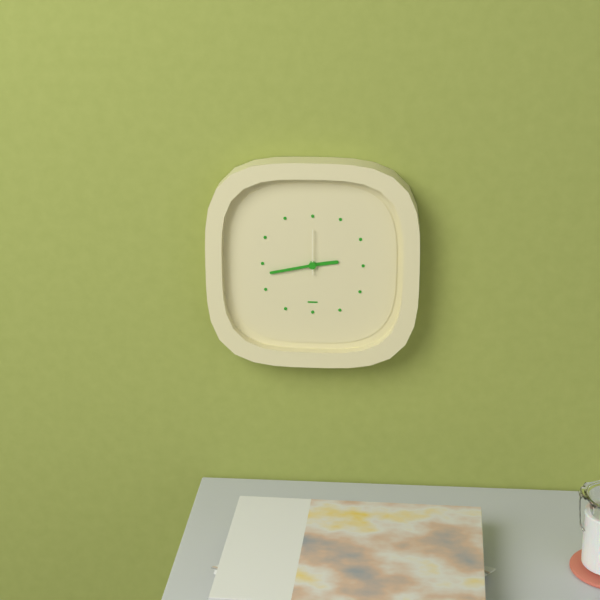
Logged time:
2h43
